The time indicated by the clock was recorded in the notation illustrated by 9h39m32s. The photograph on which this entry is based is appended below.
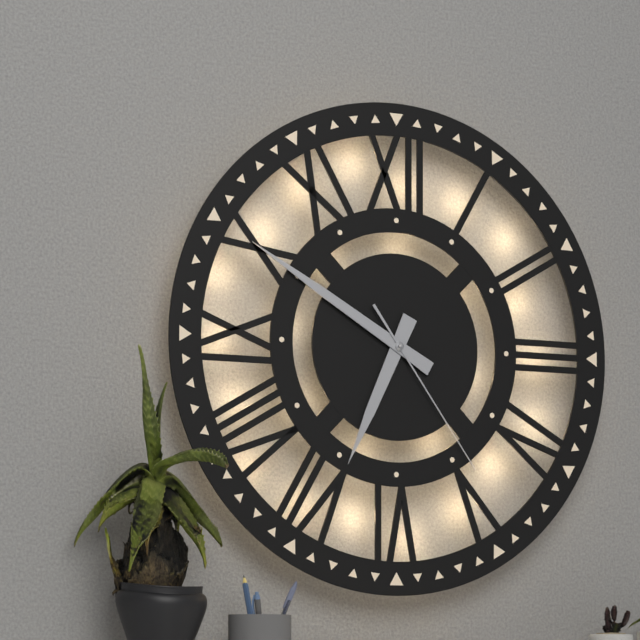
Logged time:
6h50m24s
